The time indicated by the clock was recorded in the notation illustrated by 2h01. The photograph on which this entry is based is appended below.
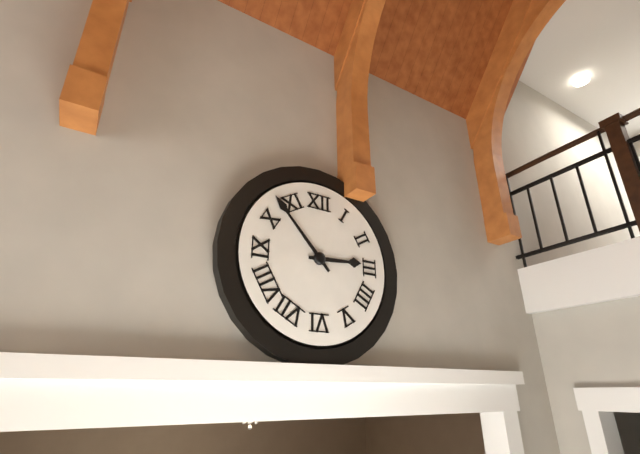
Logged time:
2h53
